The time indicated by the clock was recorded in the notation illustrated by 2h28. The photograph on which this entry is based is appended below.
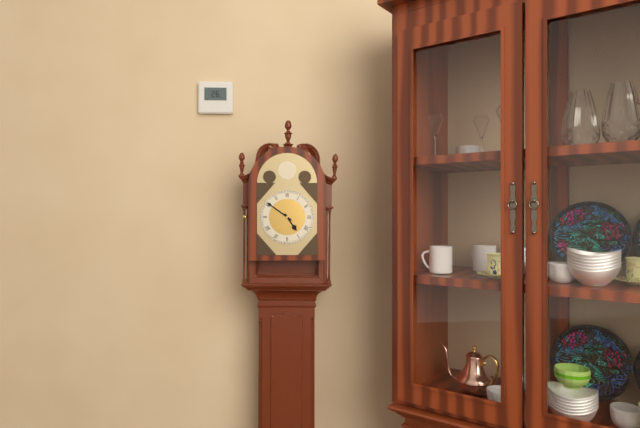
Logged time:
4h51
